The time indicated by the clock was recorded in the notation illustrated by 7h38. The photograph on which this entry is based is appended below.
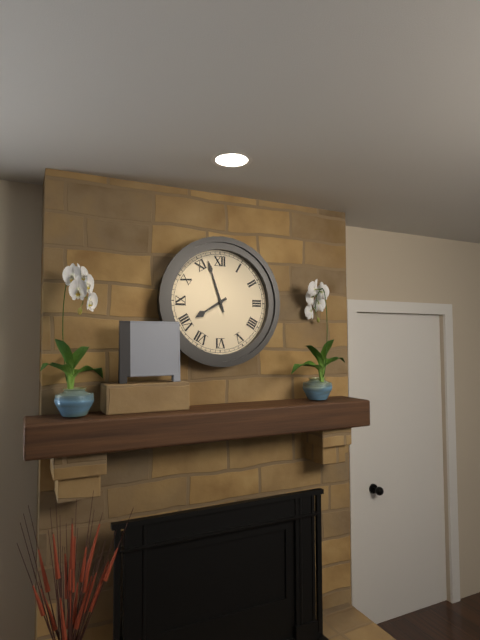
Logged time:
7h57
